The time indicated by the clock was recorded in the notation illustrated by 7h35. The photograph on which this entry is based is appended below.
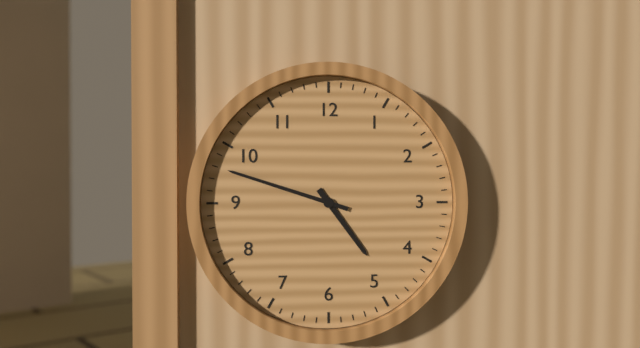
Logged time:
4h48
